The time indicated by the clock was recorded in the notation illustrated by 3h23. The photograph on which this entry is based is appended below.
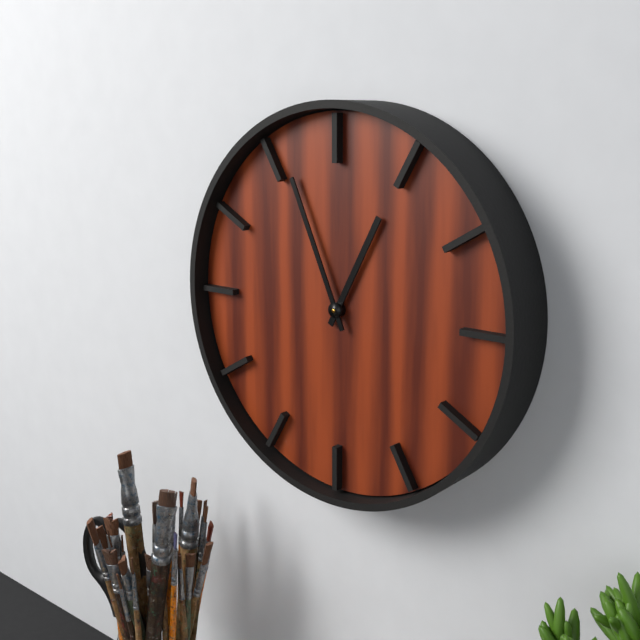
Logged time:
12h56
